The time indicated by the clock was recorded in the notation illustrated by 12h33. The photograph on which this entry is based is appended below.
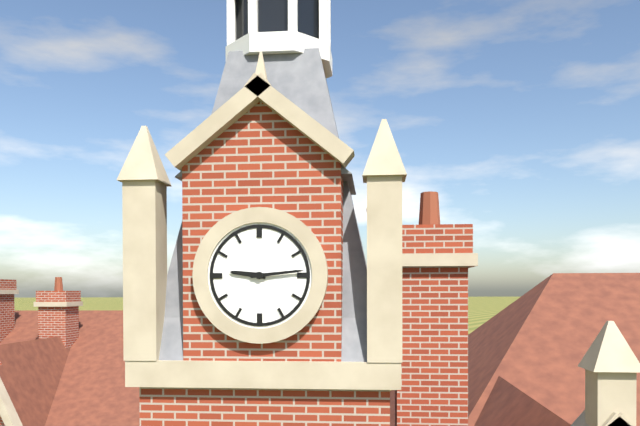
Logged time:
9h14
